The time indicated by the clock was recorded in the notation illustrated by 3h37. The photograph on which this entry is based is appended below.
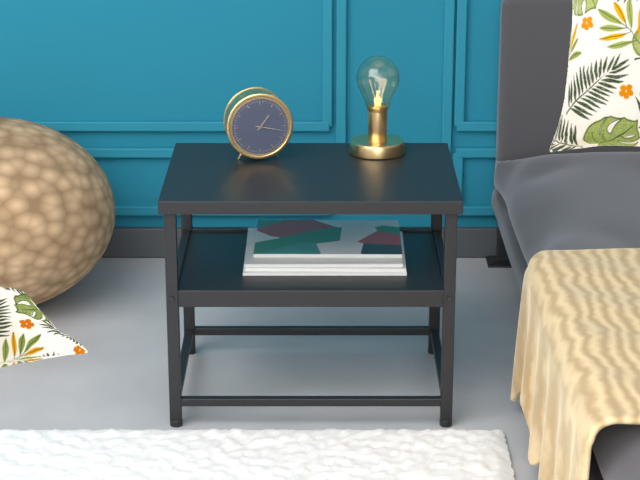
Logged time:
1h17
